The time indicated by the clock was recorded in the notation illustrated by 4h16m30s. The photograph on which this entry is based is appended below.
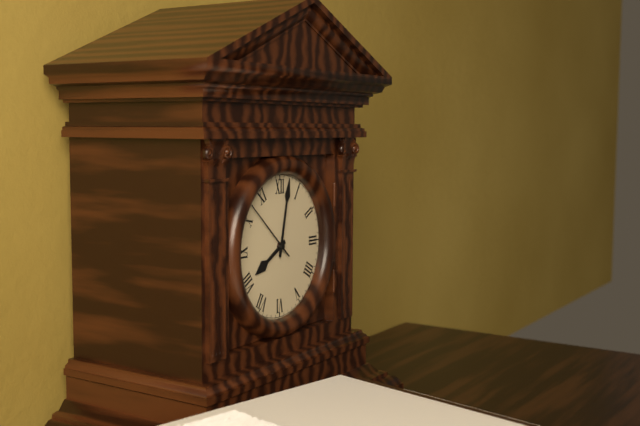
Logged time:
8h02m52s
